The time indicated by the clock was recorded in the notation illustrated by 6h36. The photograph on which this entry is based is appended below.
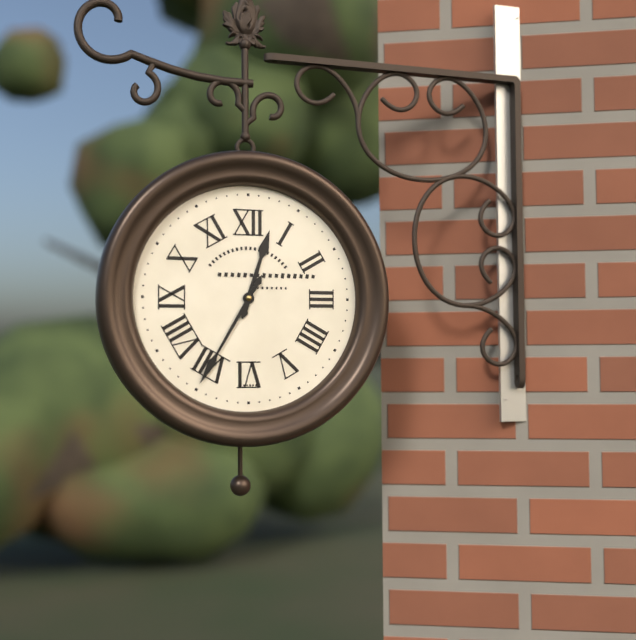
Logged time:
12h35
